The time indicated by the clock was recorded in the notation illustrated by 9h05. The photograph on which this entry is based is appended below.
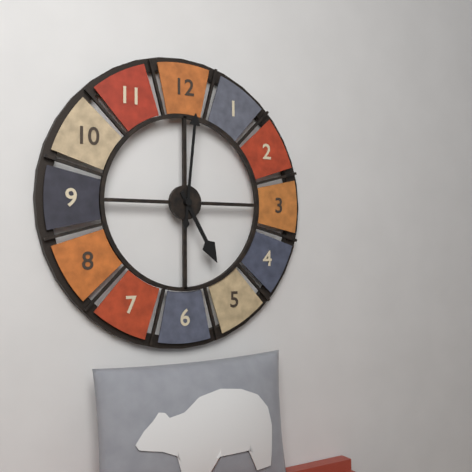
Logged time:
5h01
